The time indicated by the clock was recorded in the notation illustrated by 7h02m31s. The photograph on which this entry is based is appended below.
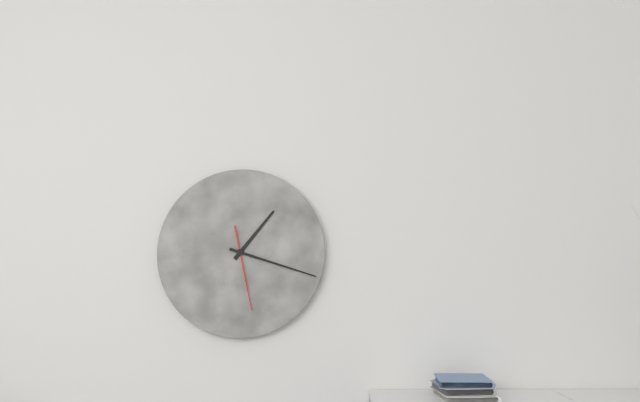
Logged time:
1h18m28s
